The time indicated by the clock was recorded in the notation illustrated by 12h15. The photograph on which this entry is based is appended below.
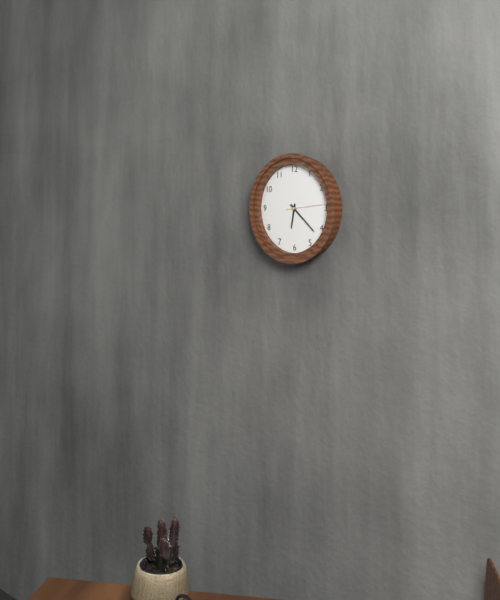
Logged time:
6h22
